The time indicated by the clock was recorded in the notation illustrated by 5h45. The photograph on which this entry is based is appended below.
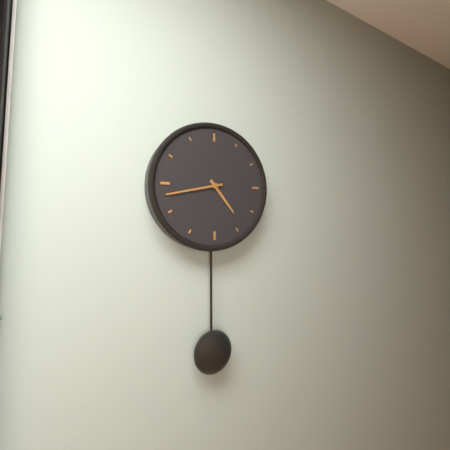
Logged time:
4h43
